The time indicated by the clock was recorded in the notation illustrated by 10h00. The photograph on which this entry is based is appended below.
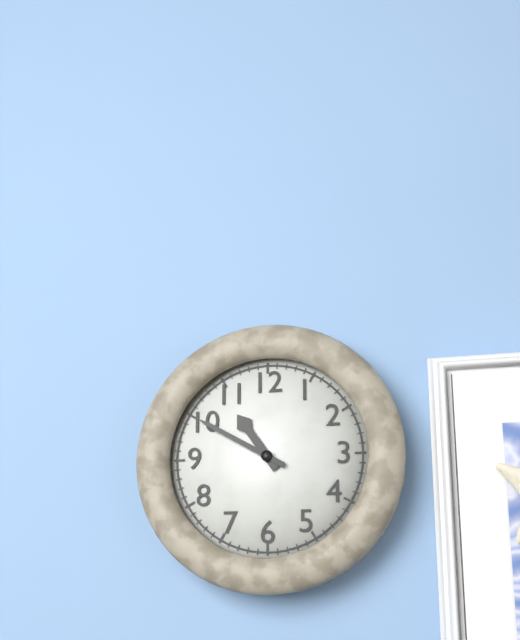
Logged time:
10h50
